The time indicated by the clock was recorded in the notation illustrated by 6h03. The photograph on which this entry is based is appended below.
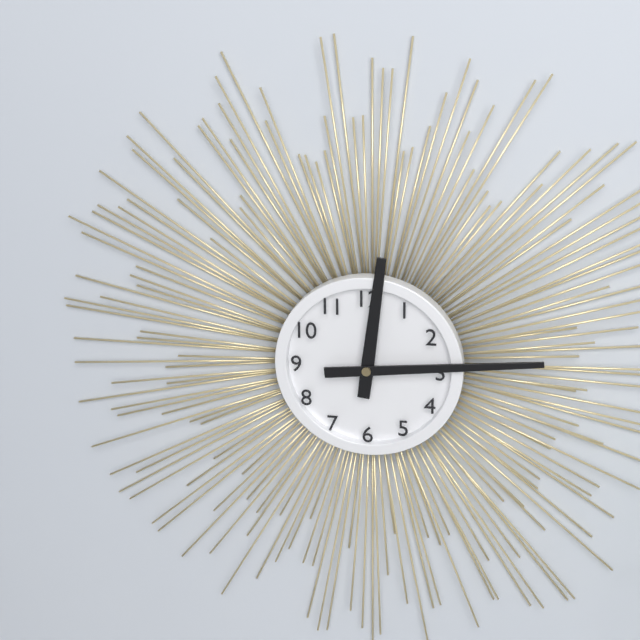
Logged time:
12h14
